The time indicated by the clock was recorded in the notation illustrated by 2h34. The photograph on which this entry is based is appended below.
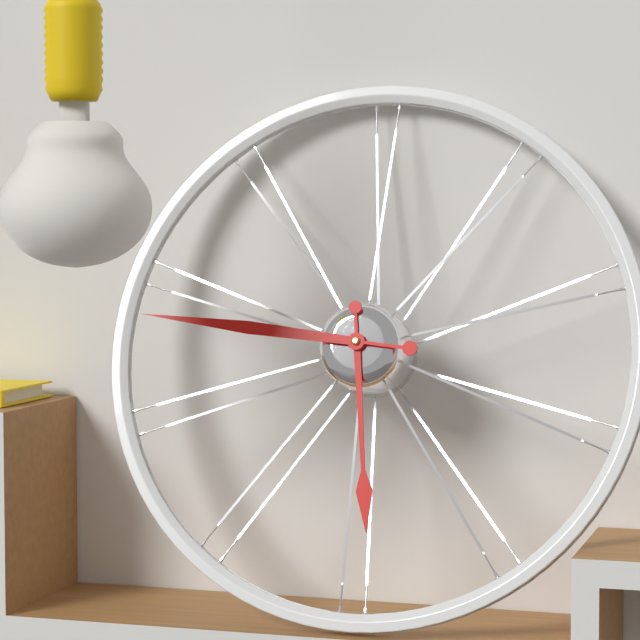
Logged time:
5h46
